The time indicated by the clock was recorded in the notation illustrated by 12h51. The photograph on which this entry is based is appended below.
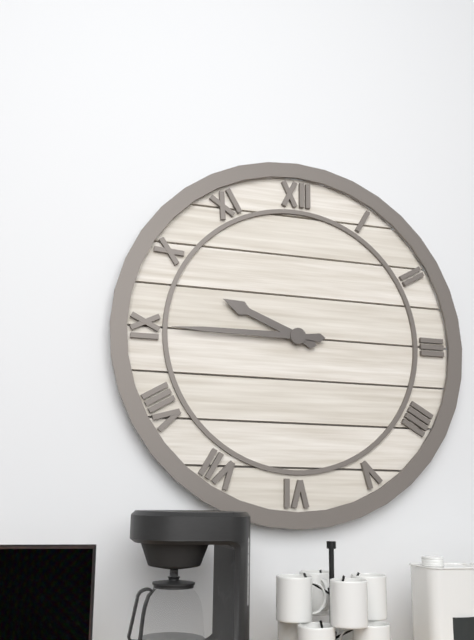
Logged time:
9h45
